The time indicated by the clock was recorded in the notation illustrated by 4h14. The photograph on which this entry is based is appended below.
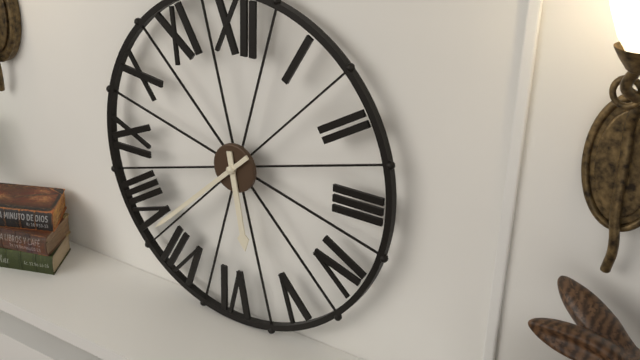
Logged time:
5h38
